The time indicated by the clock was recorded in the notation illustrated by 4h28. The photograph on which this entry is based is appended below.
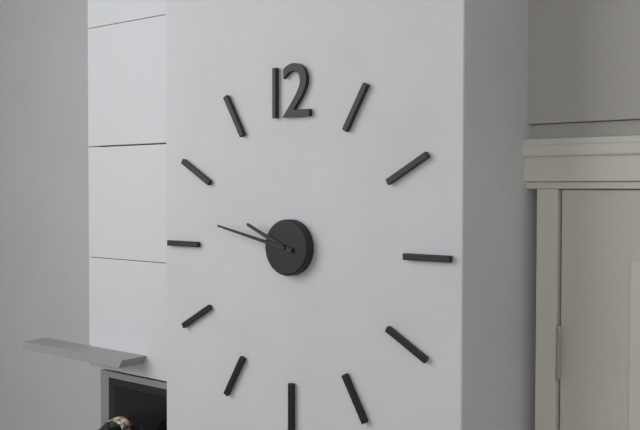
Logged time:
9h47
